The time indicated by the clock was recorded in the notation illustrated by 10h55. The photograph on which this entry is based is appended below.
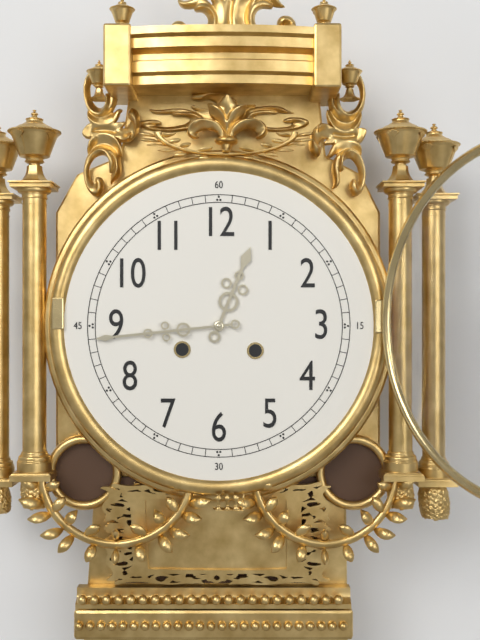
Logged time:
12h44
